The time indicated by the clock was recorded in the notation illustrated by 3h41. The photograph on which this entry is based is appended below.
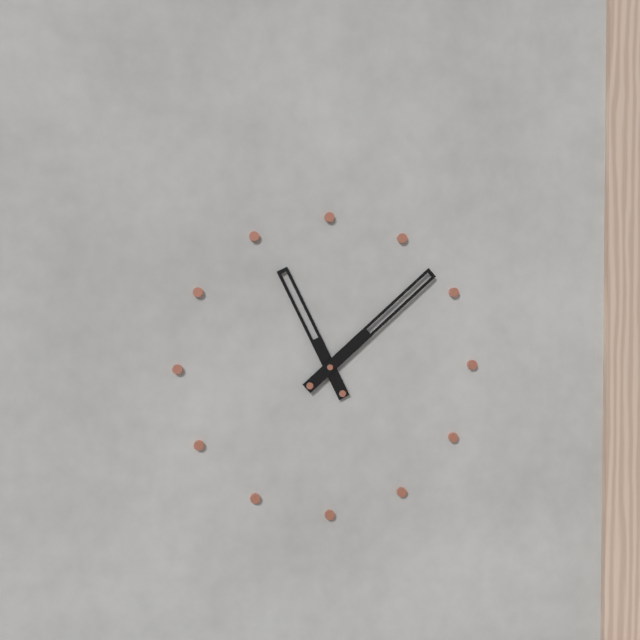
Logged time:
11h08
